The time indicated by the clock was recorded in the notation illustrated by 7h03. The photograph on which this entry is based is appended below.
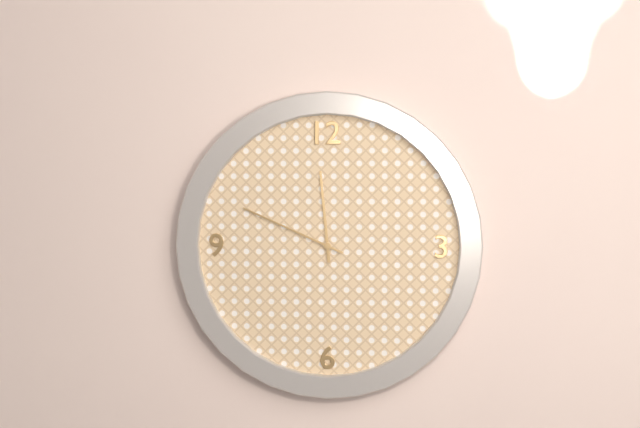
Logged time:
11h49
